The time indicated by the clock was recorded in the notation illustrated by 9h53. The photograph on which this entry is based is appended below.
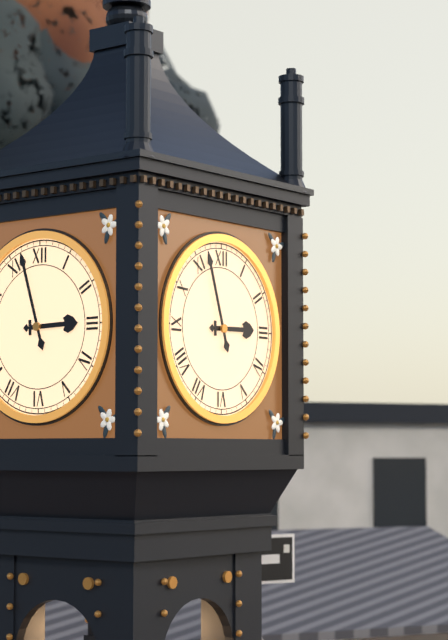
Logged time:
2h57
